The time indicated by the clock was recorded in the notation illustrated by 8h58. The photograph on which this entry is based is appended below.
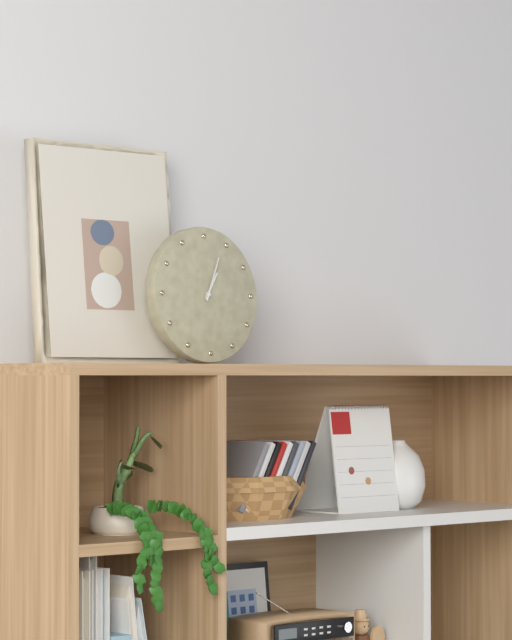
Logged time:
1h04
